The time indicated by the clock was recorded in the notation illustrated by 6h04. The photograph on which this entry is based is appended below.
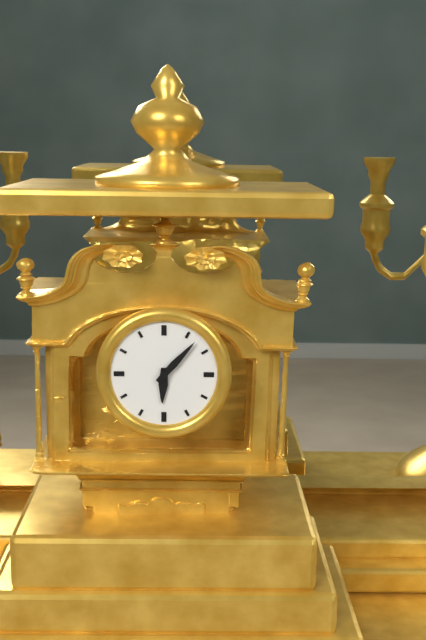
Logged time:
6h07
